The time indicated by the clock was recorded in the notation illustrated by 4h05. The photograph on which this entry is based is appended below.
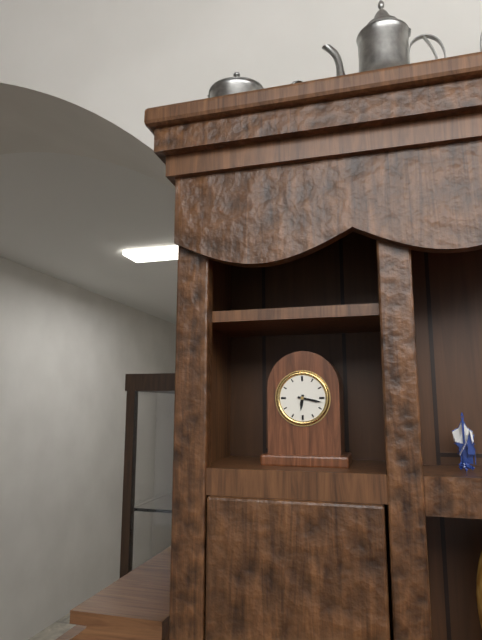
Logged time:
6h17
